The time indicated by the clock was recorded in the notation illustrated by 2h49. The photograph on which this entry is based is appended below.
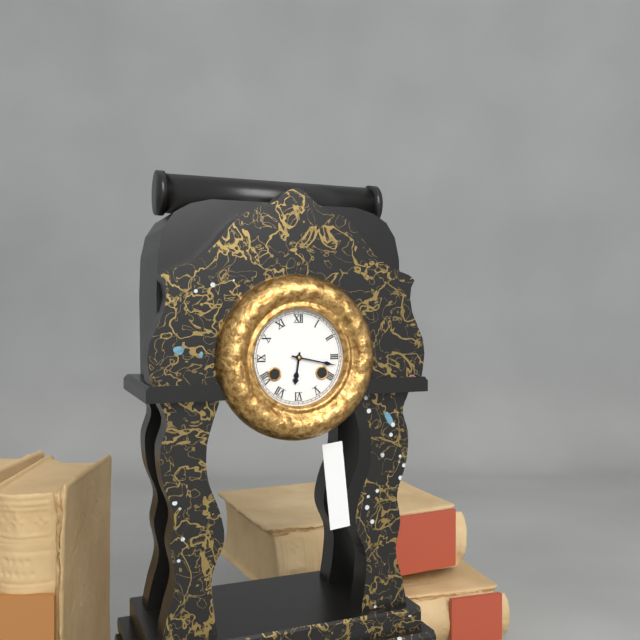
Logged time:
6h17
